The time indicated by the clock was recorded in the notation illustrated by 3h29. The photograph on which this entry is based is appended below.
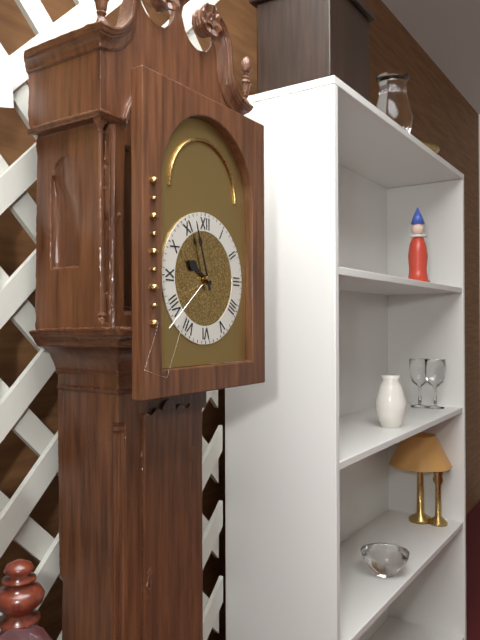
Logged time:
9h57
